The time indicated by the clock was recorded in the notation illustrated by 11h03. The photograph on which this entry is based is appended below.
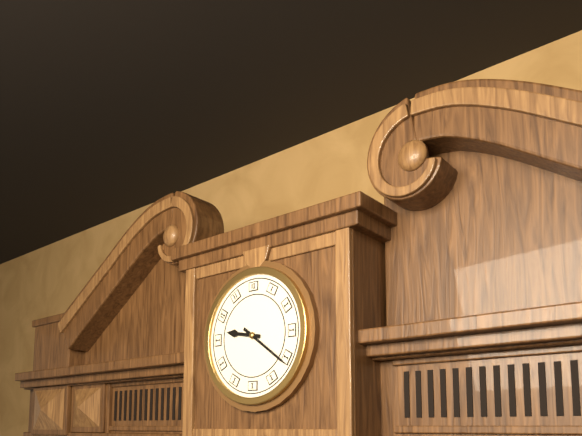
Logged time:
9h21
